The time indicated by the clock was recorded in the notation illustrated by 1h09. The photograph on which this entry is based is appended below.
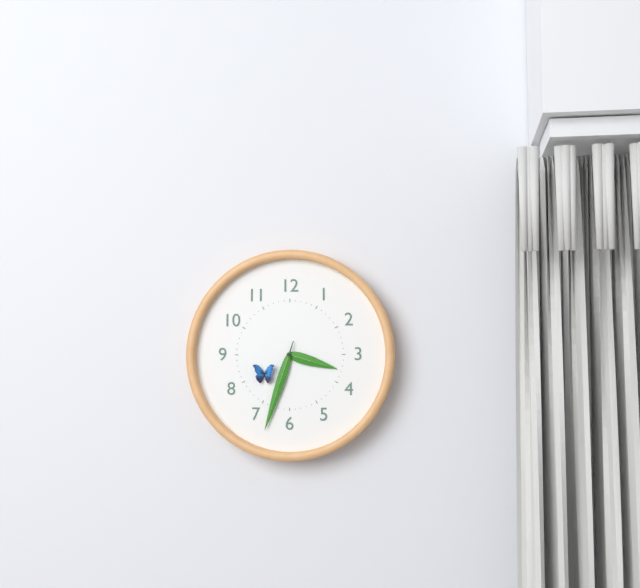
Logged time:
3h33
